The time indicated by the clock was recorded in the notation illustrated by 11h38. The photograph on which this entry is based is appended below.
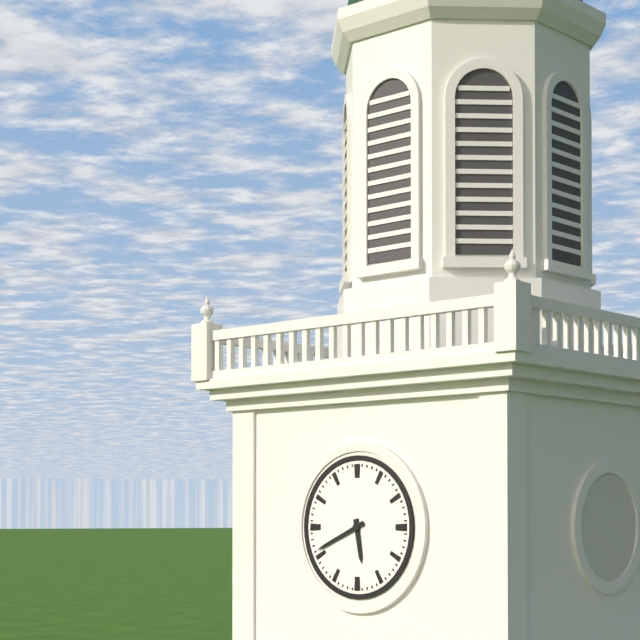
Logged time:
5h41
